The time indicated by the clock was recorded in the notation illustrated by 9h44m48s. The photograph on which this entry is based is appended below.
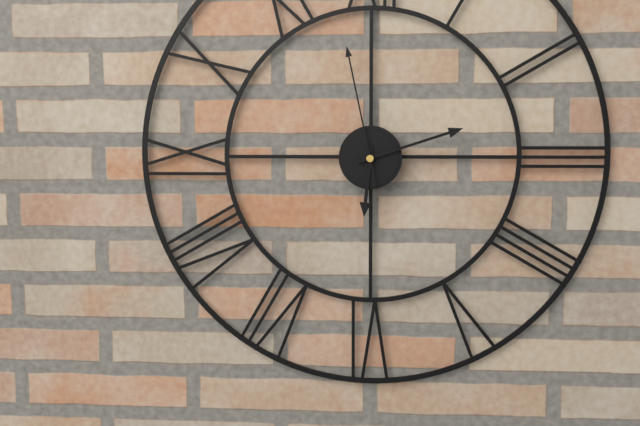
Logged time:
6h12m58s
